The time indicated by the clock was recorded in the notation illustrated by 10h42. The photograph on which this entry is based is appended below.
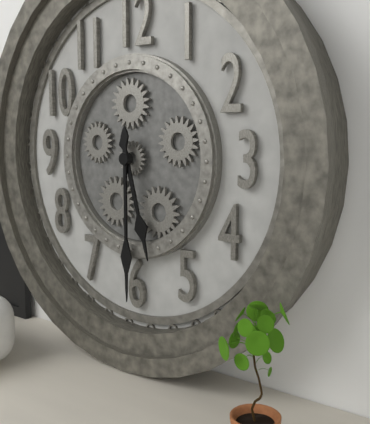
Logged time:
5h30
